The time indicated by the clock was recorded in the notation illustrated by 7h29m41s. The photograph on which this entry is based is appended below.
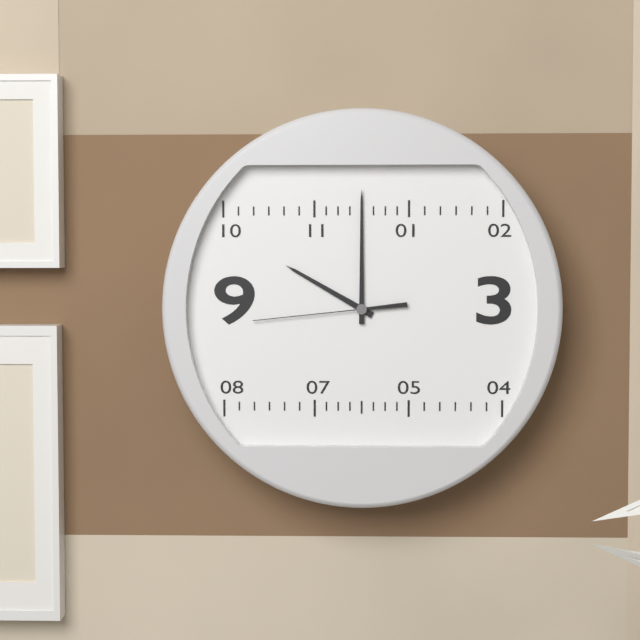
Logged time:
10h00m44s
